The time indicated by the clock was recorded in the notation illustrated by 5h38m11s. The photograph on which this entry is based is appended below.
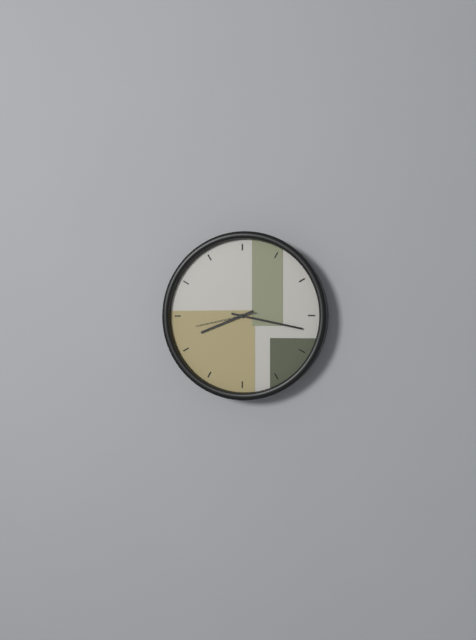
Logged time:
8h17m43s
